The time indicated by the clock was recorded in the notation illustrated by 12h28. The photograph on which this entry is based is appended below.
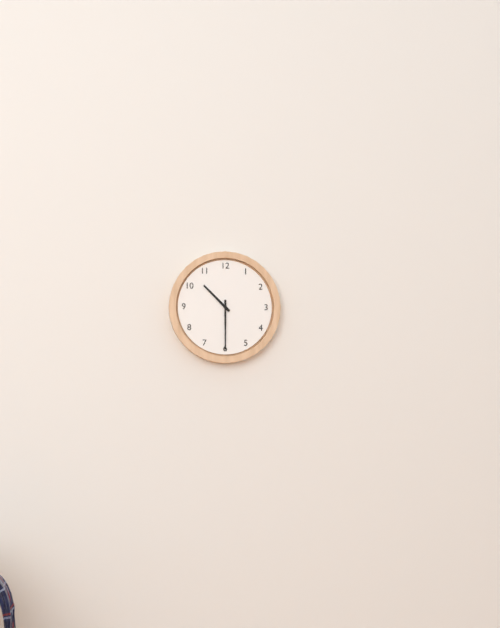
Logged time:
10h30
